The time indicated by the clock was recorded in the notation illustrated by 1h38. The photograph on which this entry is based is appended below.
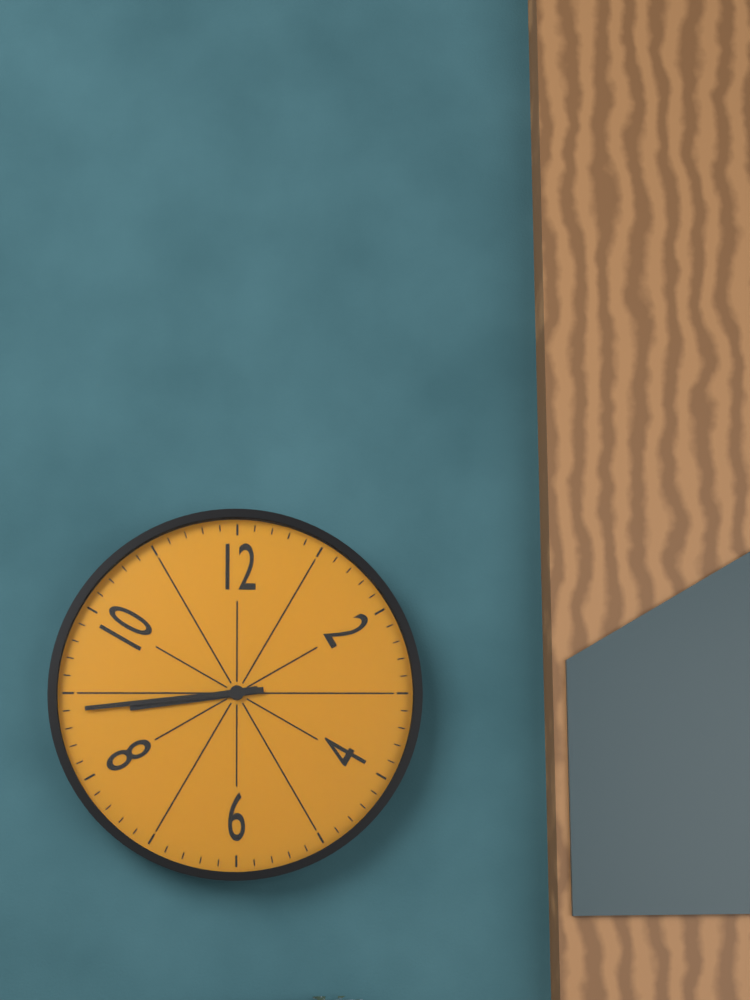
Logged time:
8h44
